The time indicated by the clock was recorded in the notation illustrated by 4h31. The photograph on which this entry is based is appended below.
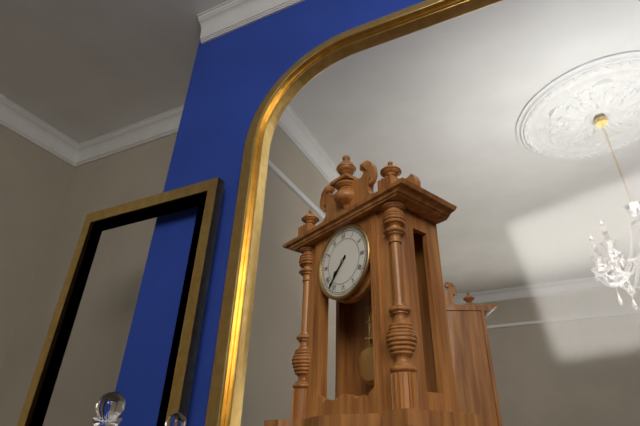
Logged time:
7h37
